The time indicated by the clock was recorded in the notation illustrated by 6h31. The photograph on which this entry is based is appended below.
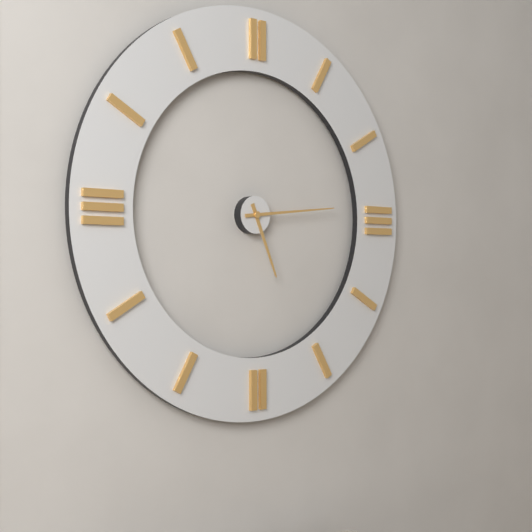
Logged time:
5h14
